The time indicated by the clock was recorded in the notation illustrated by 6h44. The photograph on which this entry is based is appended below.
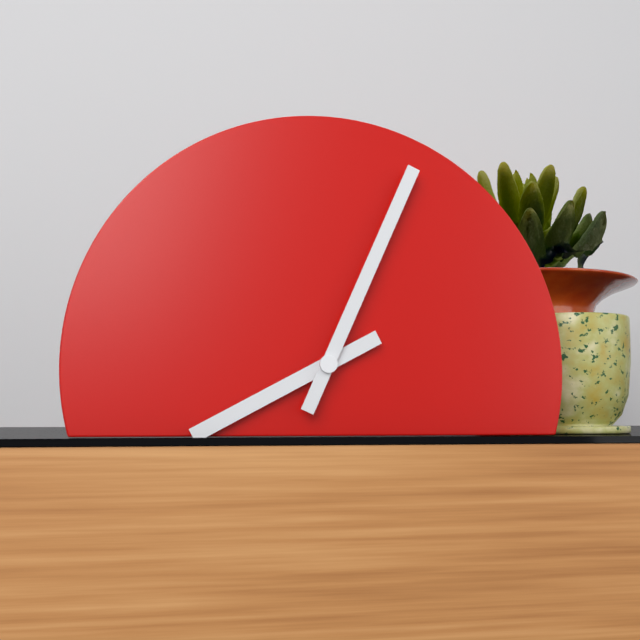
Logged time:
8h04
